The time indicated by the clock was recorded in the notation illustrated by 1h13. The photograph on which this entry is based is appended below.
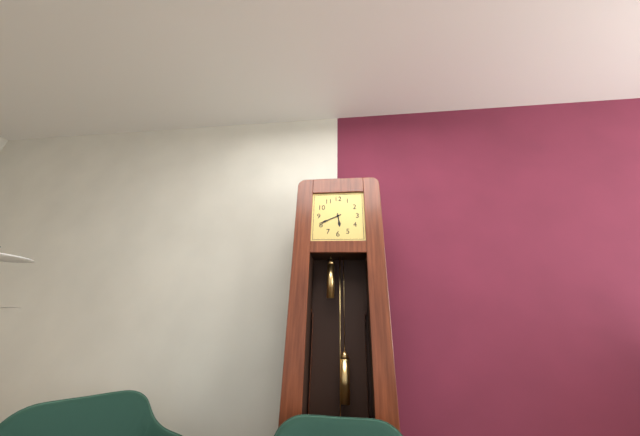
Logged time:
5h41
